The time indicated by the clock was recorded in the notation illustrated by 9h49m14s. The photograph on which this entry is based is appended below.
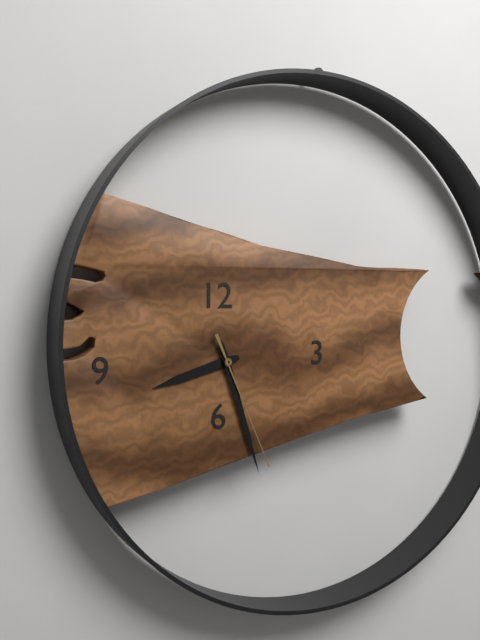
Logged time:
8h27m26s
